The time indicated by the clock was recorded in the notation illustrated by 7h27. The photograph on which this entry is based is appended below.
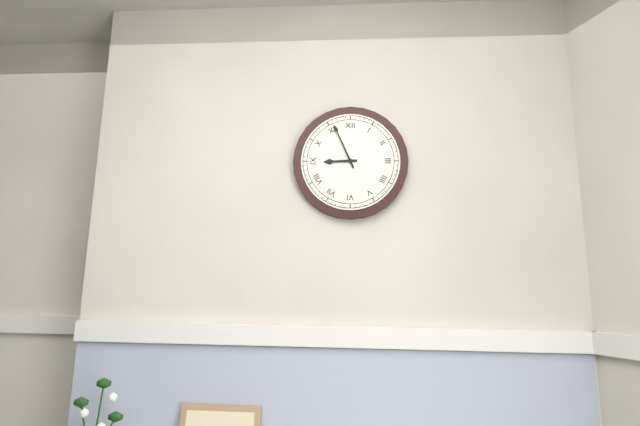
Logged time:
8h56
